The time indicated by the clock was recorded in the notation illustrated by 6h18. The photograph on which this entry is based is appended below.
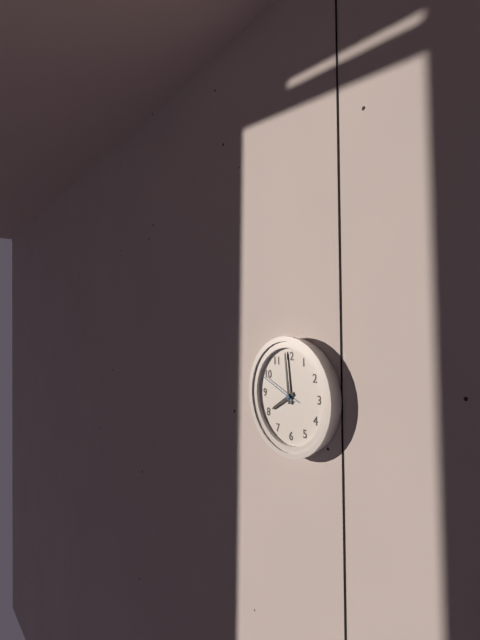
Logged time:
7h59
